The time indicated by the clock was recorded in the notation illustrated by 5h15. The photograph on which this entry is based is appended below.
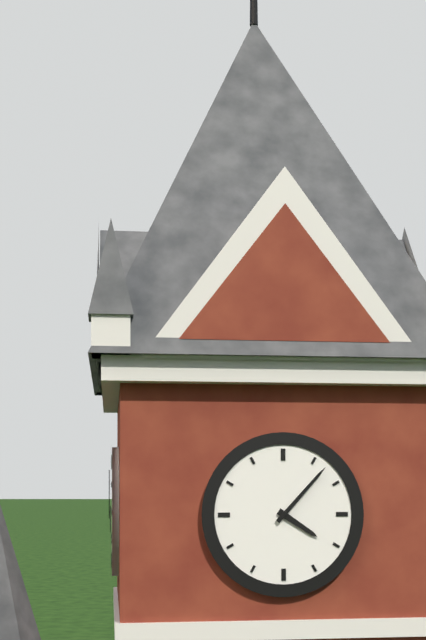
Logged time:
4h07
